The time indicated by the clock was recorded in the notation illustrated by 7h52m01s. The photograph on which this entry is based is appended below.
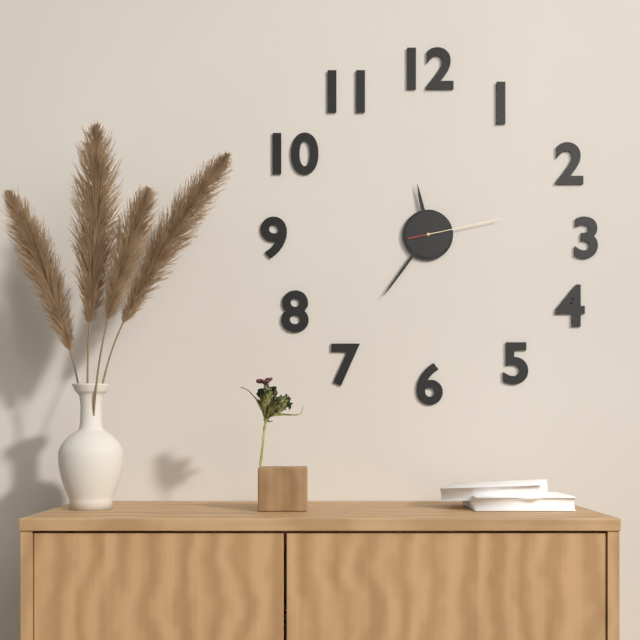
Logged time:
11h36m13s
